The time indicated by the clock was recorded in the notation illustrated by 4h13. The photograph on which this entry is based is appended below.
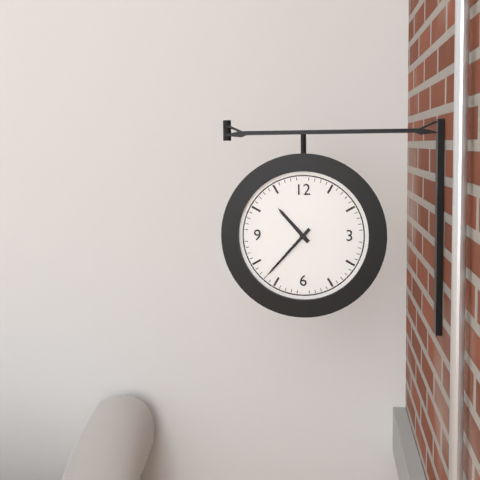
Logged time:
10h37
